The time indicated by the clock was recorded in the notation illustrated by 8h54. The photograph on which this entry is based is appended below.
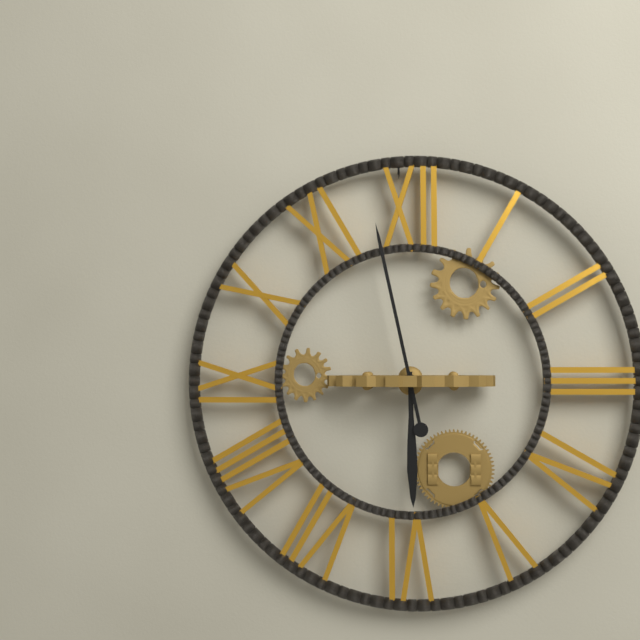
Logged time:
5h58
